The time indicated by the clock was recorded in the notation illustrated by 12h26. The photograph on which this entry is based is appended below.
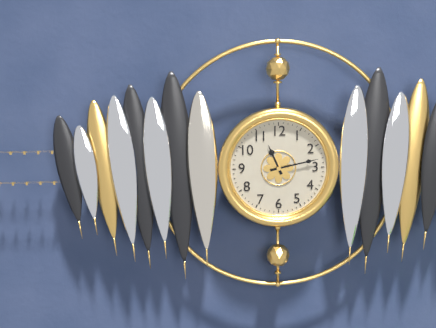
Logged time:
11h13
